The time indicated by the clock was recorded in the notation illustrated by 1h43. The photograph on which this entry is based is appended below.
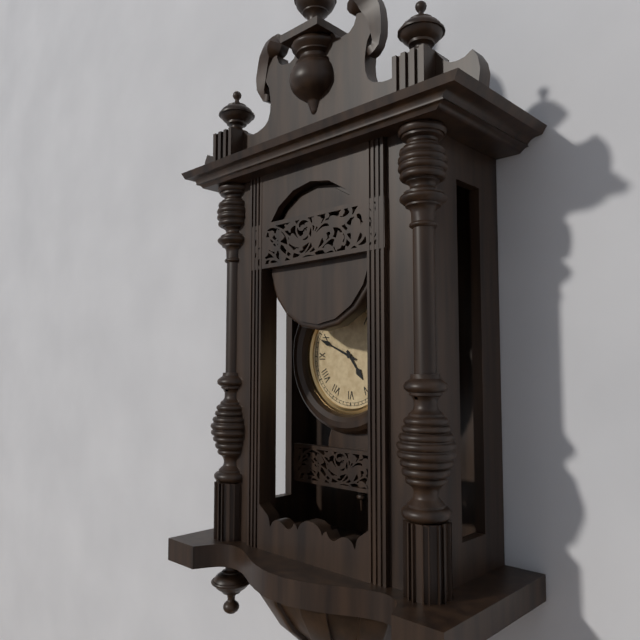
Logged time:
4h49
